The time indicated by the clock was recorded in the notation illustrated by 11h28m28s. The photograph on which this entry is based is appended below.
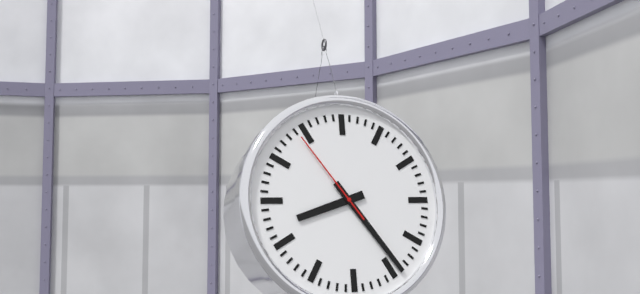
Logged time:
8h24m54s
